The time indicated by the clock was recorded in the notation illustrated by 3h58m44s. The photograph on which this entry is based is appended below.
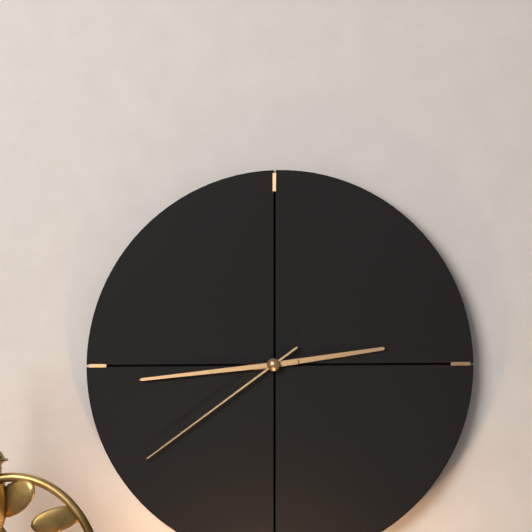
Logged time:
2h44m39s
